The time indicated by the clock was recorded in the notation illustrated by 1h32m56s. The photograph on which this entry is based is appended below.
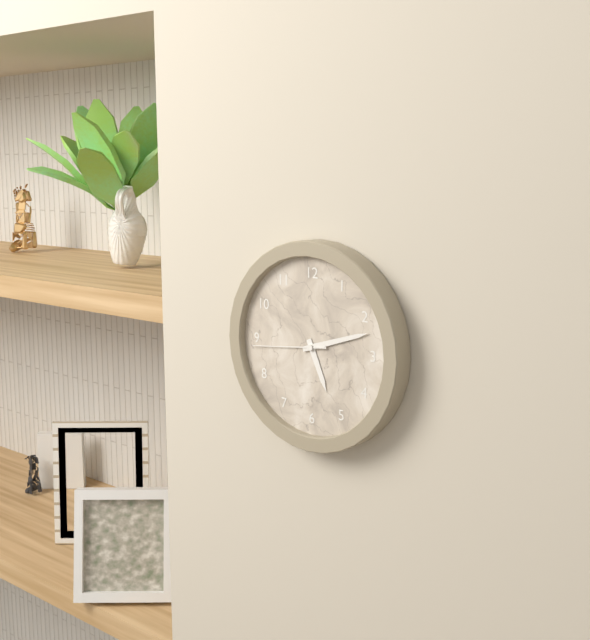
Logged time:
5h12m44s
